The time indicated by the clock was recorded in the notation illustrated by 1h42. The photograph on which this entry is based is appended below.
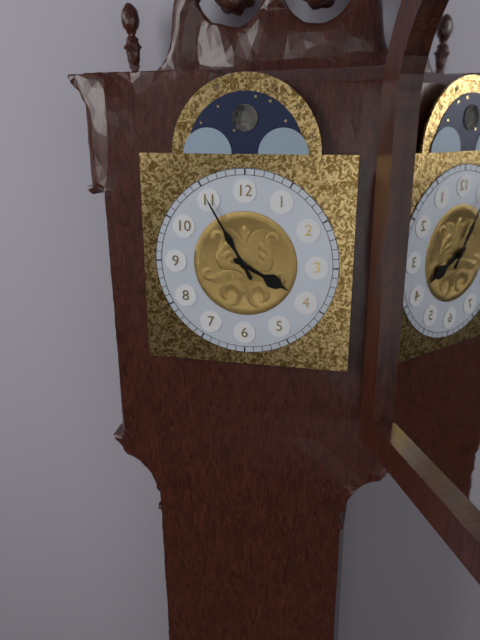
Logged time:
3h55
